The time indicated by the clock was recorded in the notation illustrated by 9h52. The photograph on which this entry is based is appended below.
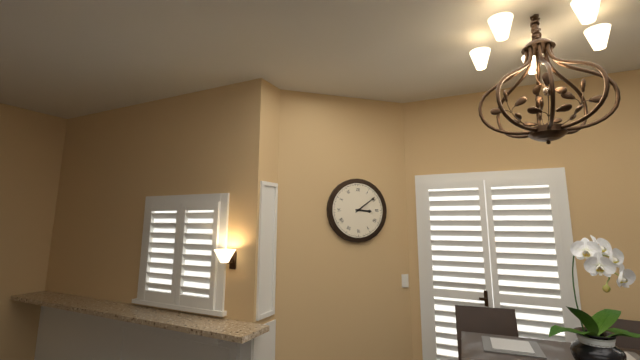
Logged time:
3h09
